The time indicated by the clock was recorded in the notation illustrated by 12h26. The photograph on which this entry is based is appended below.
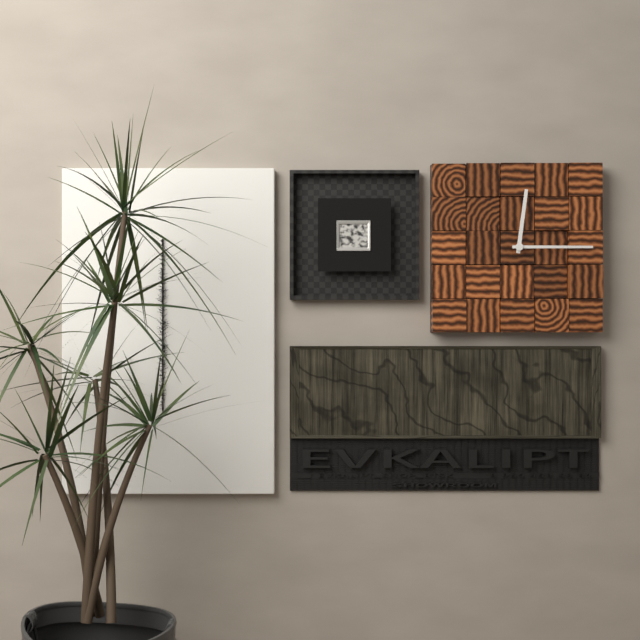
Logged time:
12h15
